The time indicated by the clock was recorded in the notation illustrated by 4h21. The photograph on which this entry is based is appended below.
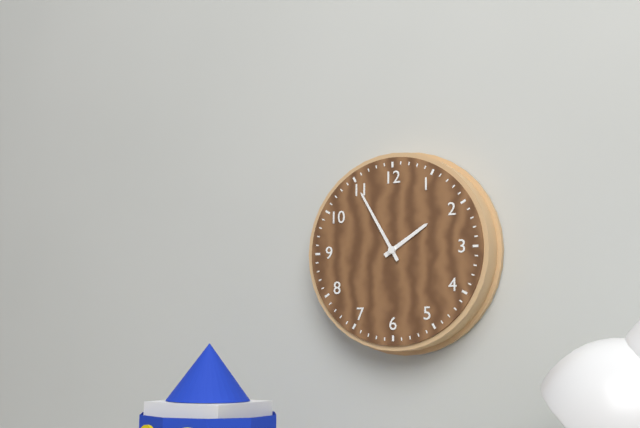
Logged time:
1h55
